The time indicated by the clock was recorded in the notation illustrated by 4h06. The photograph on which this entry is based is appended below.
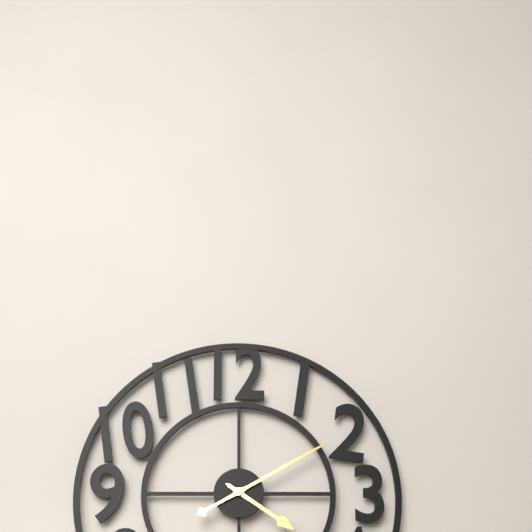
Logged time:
4h10
